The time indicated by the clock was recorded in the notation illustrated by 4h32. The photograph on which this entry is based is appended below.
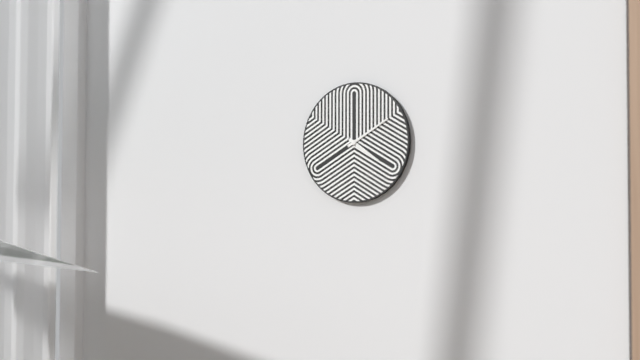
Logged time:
4h10
